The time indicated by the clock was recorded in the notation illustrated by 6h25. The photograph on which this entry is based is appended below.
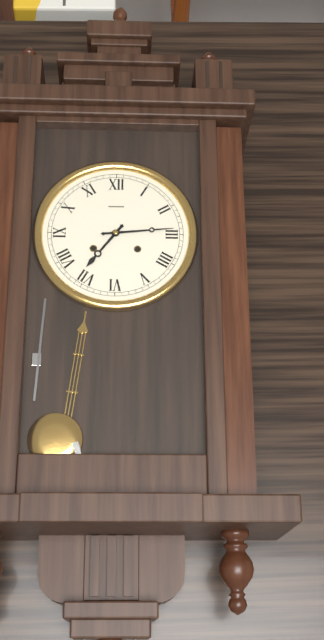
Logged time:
7h14
